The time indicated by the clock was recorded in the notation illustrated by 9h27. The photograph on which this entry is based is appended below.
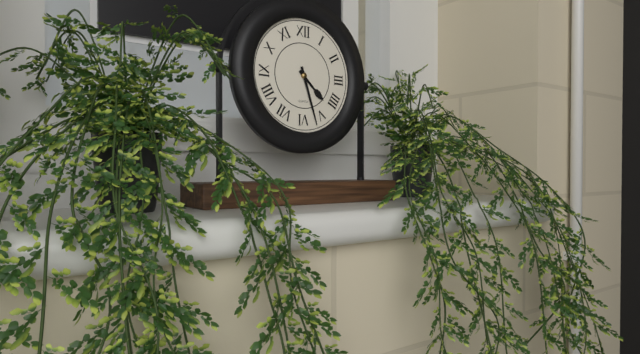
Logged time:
4h27
